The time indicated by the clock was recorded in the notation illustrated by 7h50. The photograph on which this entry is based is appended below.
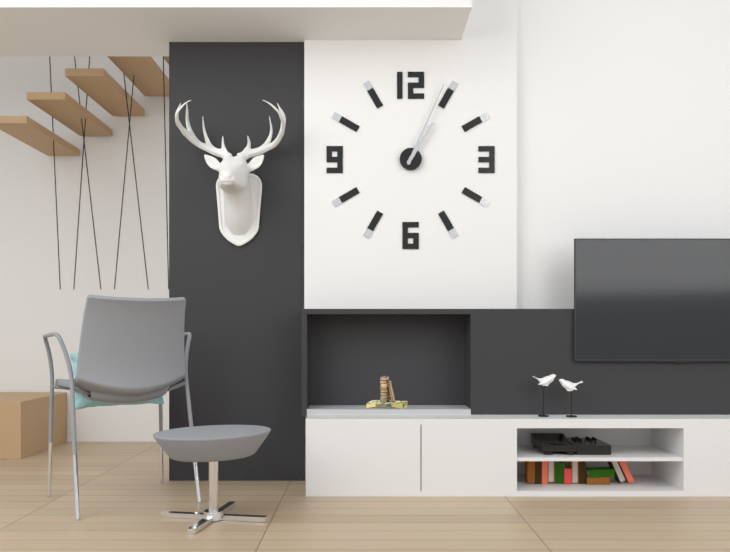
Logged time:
1h04
